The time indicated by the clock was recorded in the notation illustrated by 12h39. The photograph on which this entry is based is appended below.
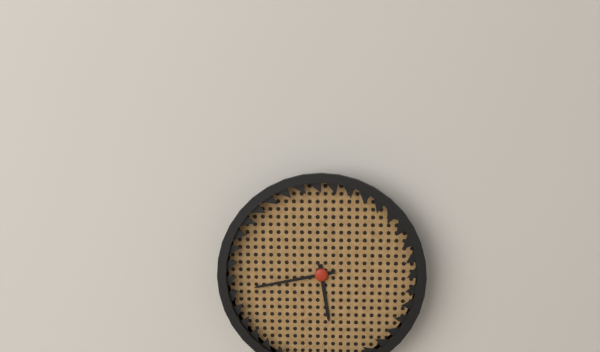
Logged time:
5h43
